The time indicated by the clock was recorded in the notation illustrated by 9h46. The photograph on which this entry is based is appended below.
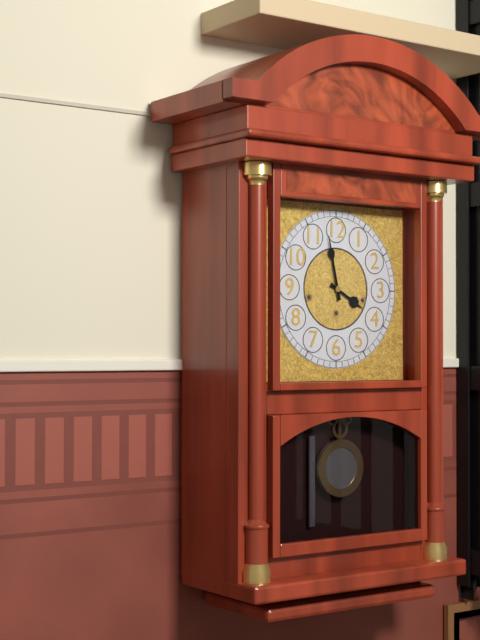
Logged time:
3h58
